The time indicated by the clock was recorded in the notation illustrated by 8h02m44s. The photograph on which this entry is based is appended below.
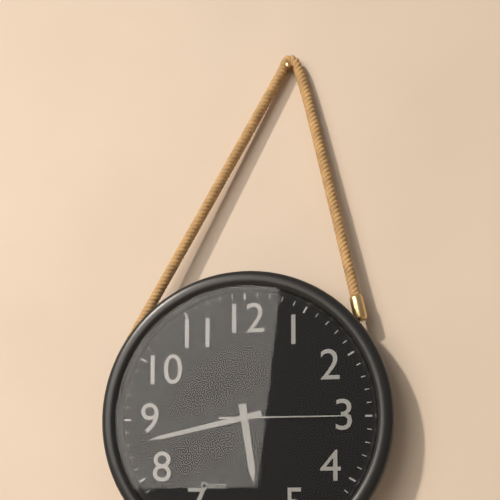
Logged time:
5h43m15s
